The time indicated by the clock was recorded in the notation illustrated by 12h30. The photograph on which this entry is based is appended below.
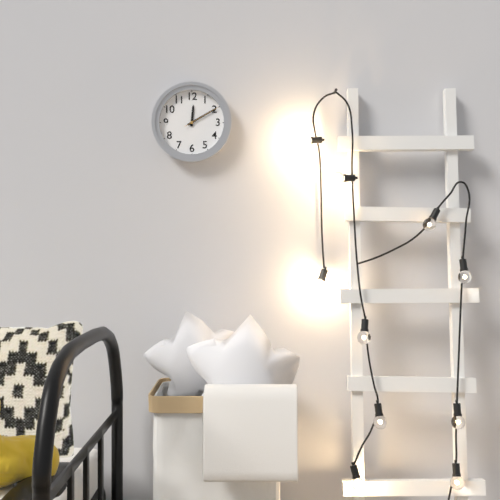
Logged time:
12h10
